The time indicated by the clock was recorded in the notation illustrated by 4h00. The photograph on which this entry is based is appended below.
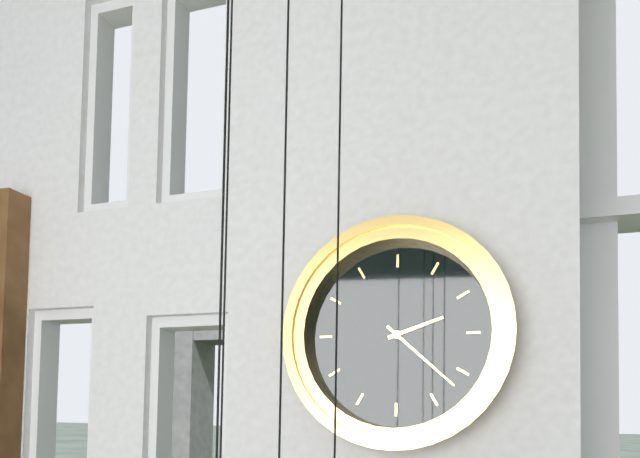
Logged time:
2h22
